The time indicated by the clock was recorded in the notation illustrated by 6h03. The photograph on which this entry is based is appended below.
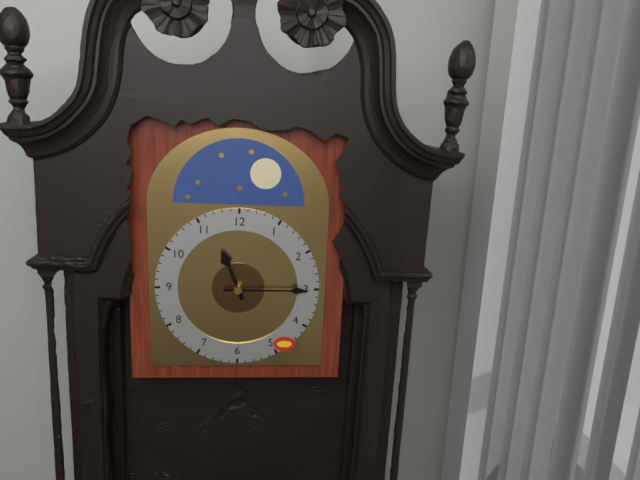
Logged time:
11h15
